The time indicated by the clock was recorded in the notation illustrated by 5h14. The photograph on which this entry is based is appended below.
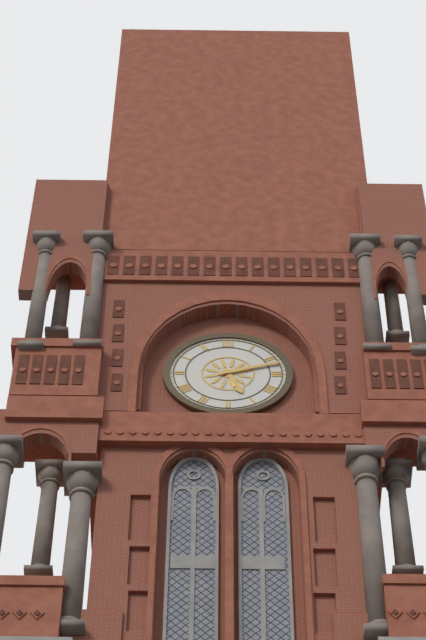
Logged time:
5h12
